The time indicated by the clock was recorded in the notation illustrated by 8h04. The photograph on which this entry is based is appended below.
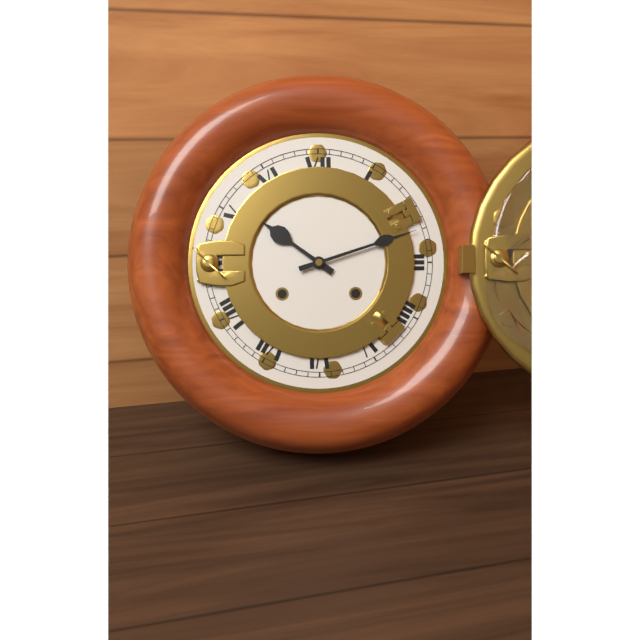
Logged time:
10h12
